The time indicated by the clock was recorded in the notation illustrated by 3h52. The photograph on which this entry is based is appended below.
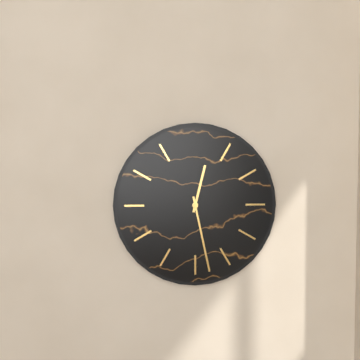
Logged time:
12h28
